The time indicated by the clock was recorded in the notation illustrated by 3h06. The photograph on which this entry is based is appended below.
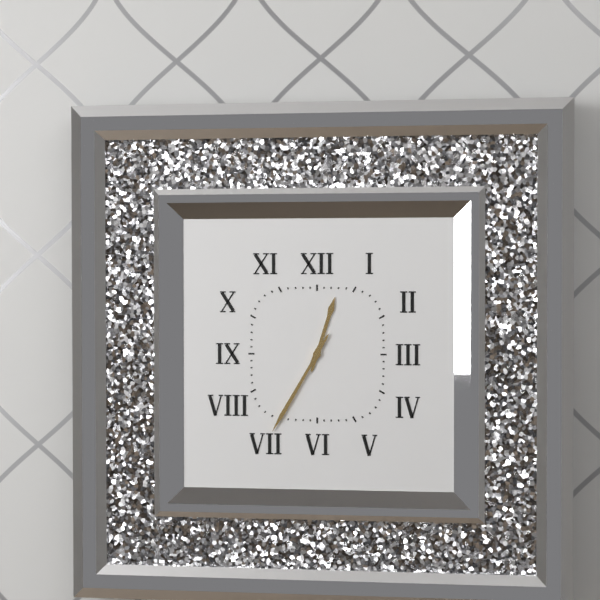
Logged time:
12h35
